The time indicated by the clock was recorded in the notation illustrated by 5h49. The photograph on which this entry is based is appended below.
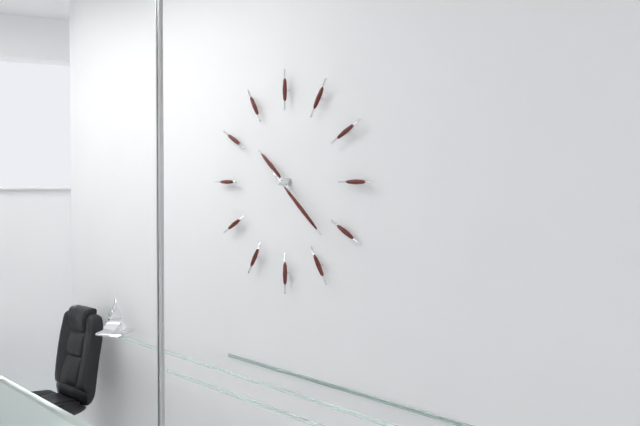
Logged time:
10h22
